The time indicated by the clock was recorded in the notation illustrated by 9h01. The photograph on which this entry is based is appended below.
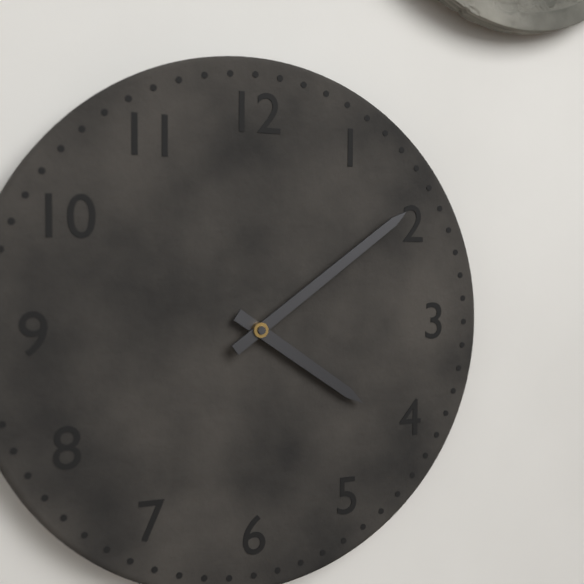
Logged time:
4h09
